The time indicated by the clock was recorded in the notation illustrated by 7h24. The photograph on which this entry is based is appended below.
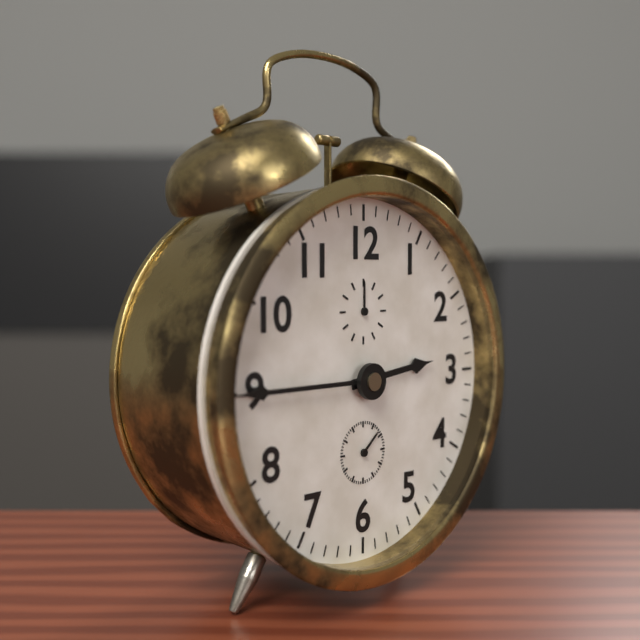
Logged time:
2h45
